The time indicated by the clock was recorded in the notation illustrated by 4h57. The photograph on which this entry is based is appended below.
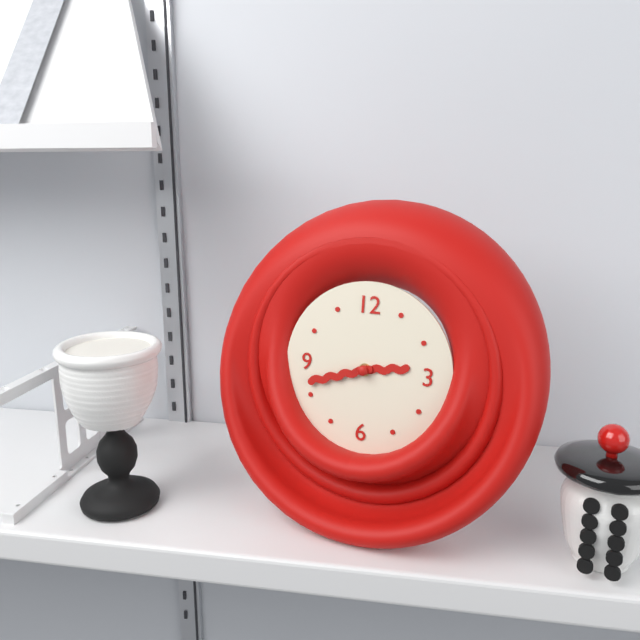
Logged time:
2h42
